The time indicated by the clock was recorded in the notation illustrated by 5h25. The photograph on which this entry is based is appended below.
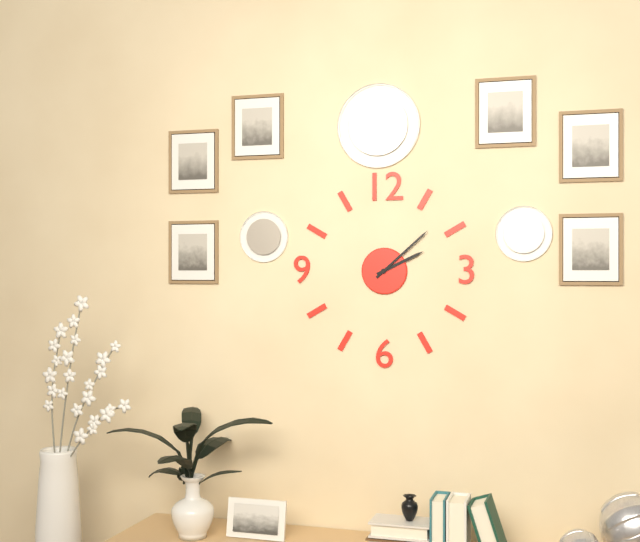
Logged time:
2h08
